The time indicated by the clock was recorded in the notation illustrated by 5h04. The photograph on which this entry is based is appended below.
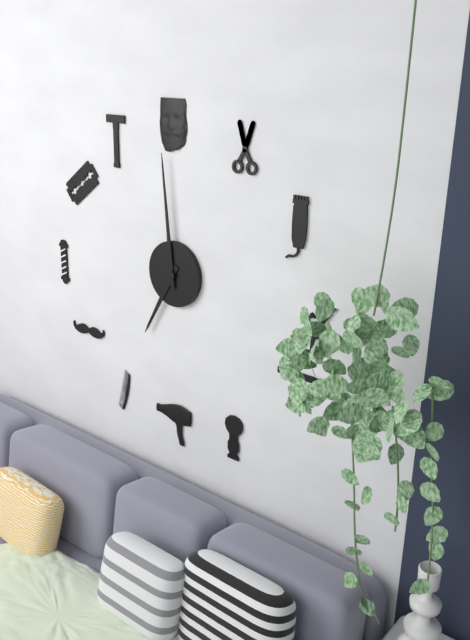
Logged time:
6h59
